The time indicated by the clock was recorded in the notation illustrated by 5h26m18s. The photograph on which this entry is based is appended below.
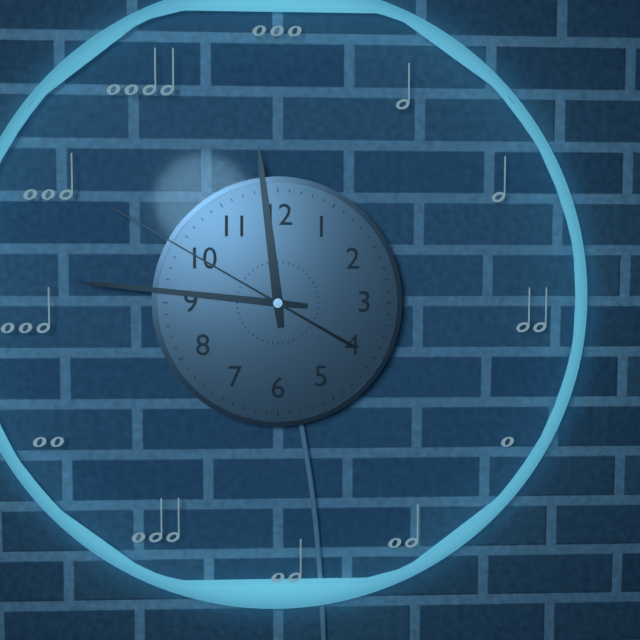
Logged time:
11h46m50s
